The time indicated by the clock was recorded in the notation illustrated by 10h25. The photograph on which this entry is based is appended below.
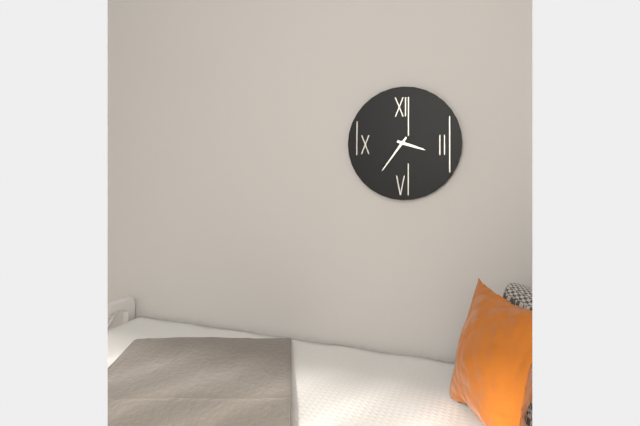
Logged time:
3h36
